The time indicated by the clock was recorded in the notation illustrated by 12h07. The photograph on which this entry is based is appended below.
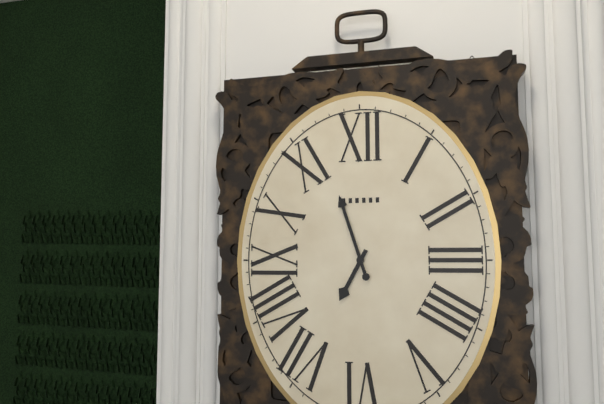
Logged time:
6h57
